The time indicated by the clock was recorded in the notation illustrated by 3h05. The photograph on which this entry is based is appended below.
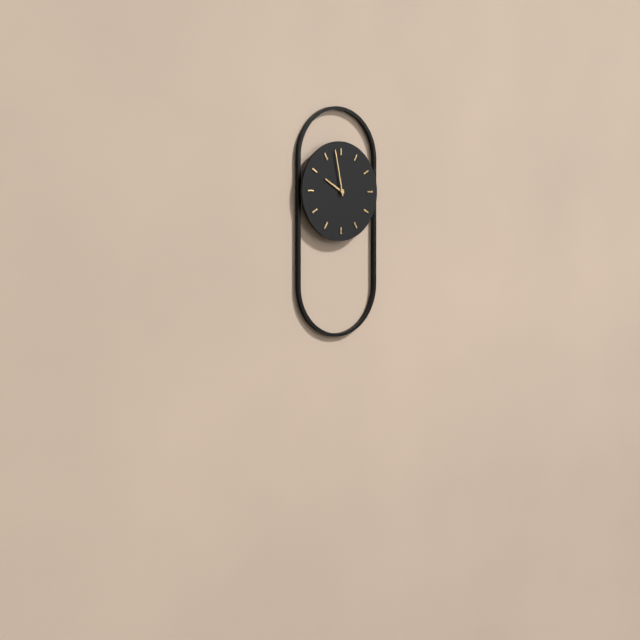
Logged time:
9h58
